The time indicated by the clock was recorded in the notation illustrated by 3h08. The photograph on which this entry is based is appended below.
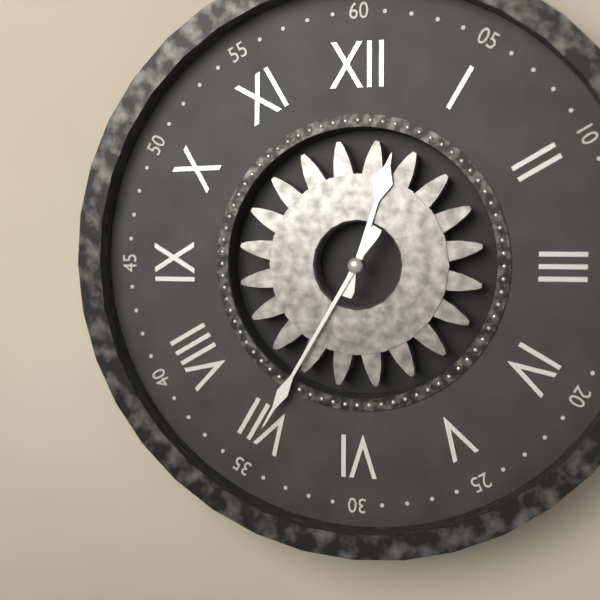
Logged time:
12h35
